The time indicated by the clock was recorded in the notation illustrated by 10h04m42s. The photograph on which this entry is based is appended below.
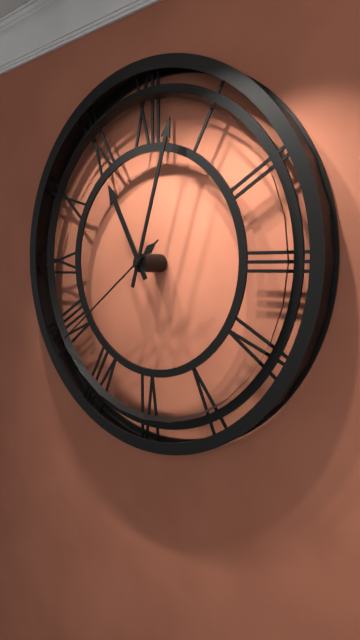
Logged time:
11h03m39s
